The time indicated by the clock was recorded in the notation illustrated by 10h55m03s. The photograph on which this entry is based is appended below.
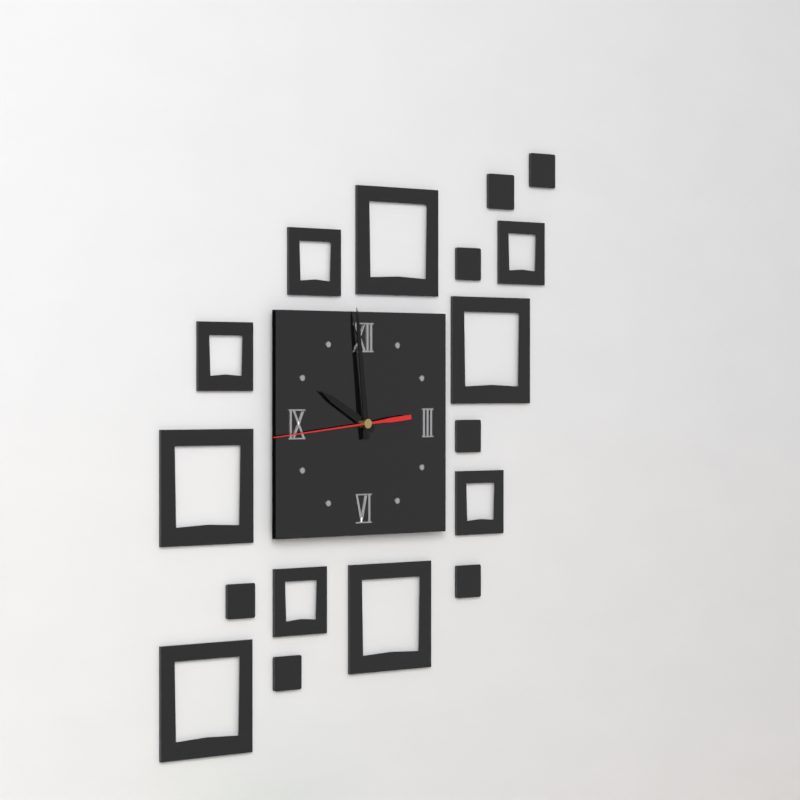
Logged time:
9h59m44s
